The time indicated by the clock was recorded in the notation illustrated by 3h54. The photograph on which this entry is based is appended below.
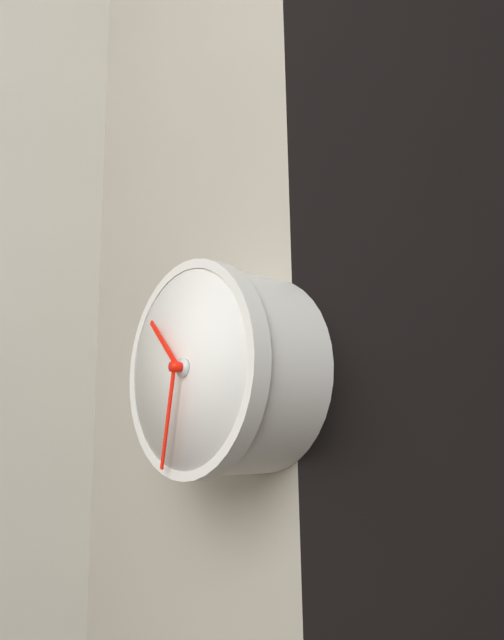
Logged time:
10h32
